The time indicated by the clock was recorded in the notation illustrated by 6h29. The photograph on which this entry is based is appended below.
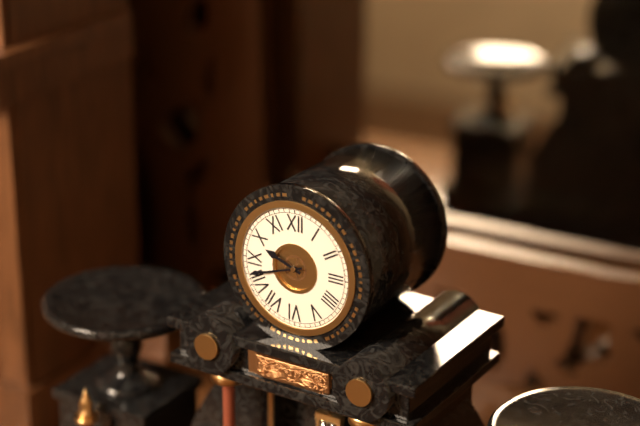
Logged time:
9h42
